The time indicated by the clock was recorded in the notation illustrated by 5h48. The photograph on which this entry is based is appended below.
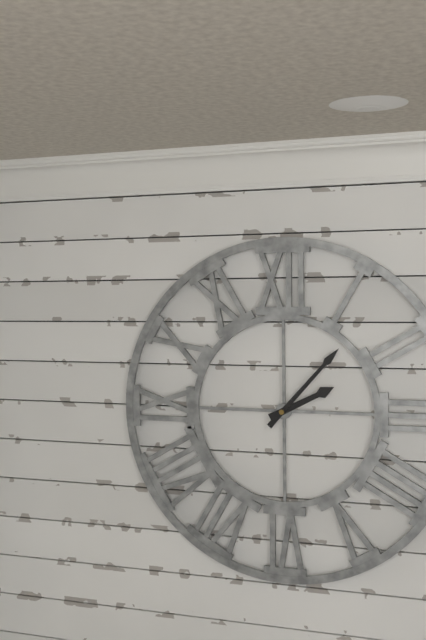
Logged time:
2h07
